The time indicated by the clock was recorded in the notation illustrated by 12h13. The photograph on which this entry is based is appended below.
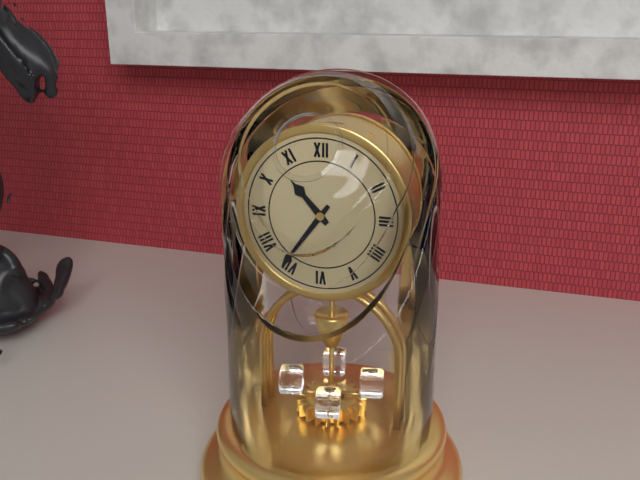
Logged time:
10h36
